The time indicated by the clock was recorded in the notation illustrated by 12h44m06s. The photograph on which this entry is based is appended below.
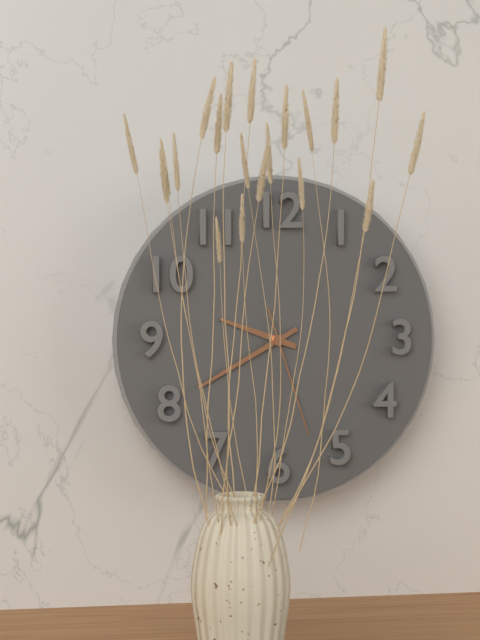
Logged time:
9h40m27s
